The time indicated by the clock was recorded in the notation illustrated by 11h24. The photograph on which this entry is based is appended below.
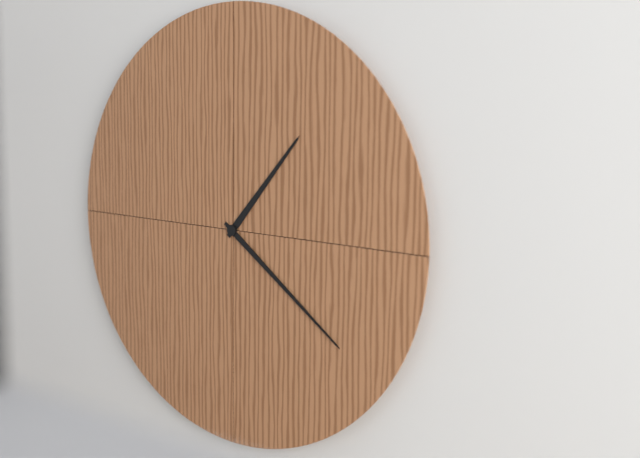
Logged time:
1h21
